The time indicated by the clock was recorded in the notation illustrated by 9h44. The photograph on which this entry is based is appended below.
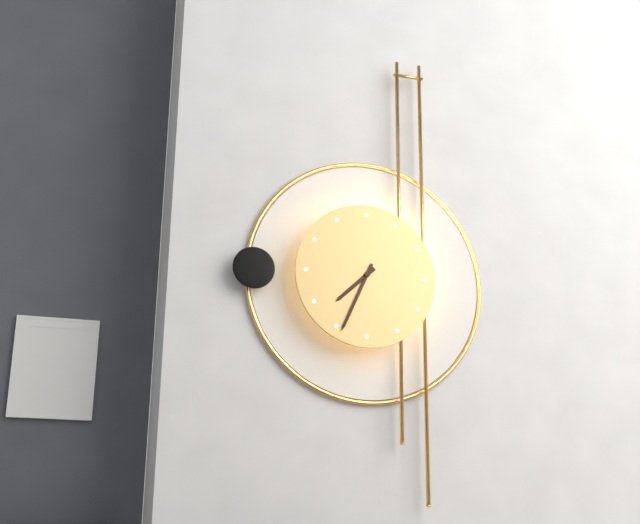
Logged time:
7h34
